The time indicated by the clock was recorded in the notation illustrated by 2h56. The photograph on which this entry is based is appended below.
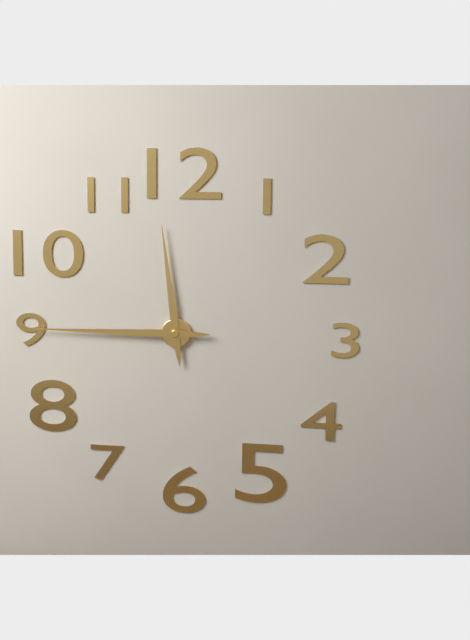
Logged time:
11h45
